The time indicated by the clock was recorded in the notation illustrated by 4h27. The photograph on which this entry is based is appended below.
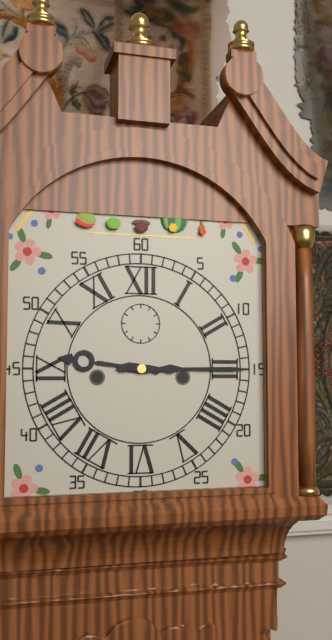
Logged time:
9h15
